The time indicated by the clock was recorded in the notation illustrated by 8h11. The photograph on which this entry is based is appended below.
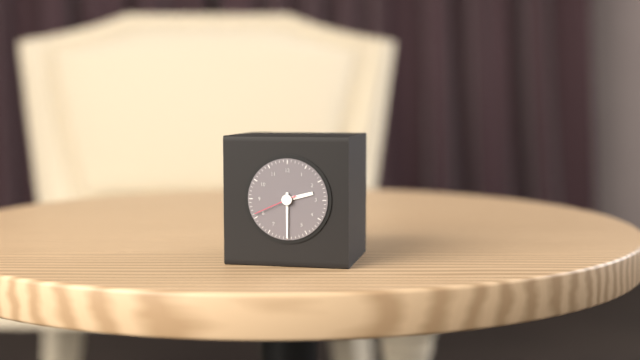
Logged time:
2h30
